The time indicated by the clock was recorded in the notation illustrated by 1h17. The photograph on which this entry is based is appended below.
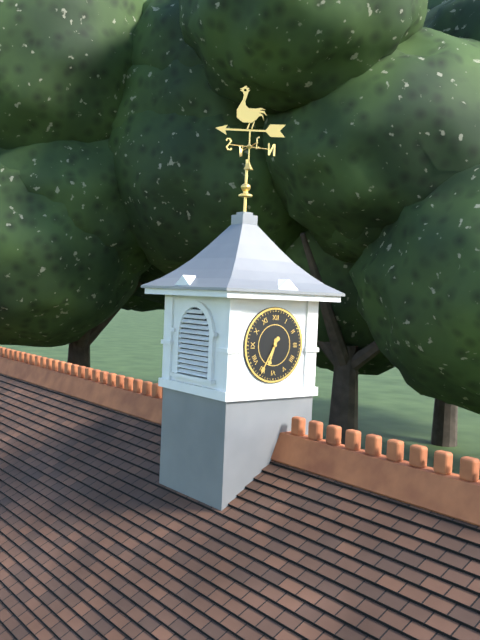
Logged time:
6h35
